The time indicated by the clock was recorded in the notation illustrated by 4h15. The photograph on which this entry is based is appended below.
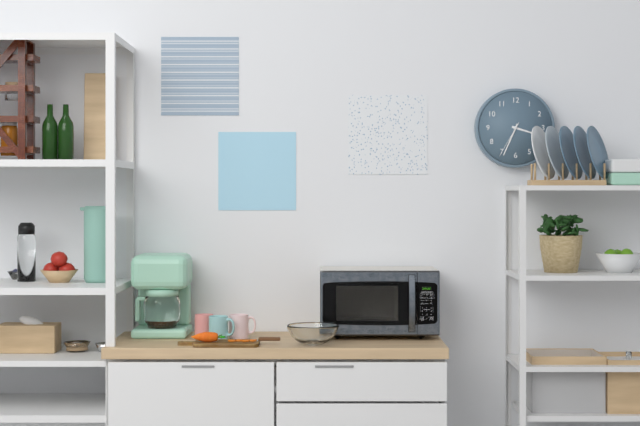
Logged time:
3h34
